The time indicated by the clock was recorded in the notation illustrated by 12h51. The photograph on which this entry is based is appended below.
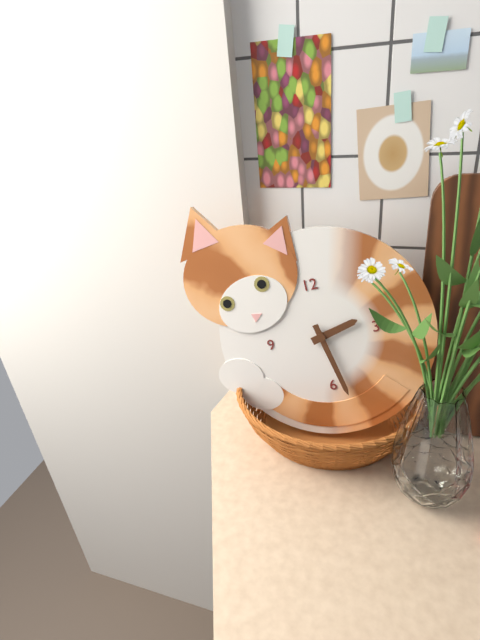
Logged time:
2h28
